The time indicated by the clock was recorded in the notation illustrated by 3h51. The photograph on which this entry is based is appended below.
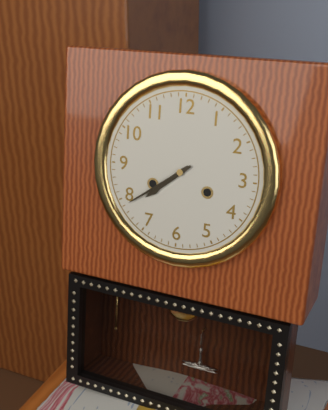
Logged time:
7h39
